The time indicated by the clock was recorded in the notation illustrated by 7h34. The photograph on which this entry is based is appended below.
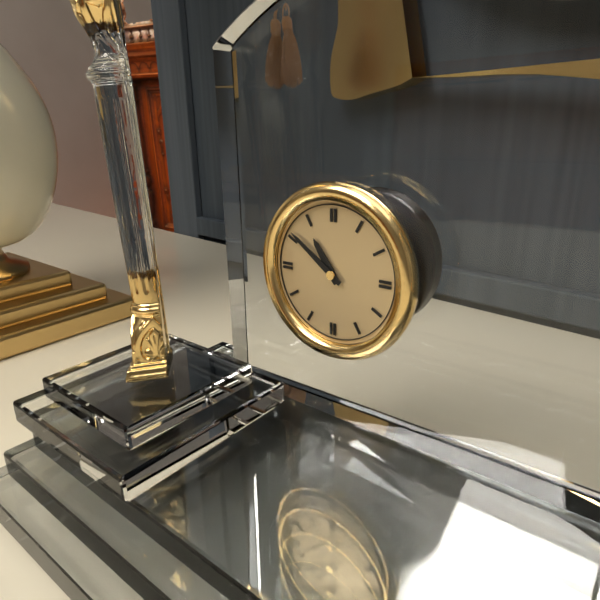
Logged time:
10h51
